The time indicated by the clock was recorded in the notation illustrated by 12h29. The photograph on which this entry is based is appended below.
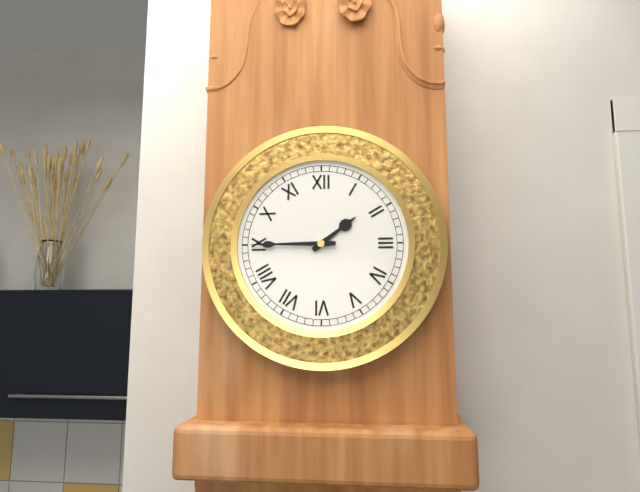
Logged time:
1h45
